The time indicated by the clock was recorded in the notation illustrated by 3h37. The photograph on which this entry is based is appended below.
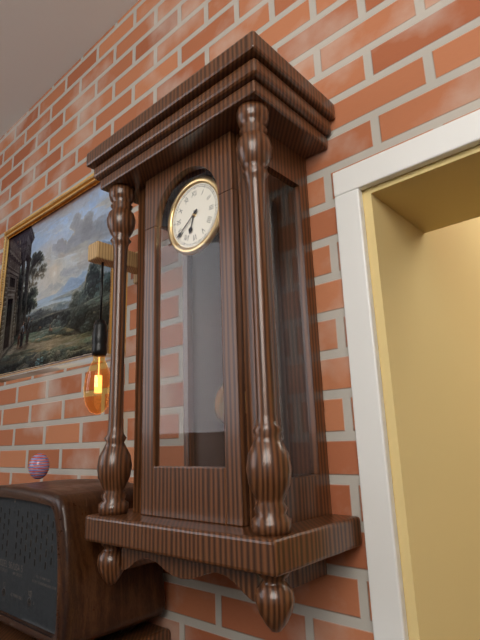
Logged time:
6h39
